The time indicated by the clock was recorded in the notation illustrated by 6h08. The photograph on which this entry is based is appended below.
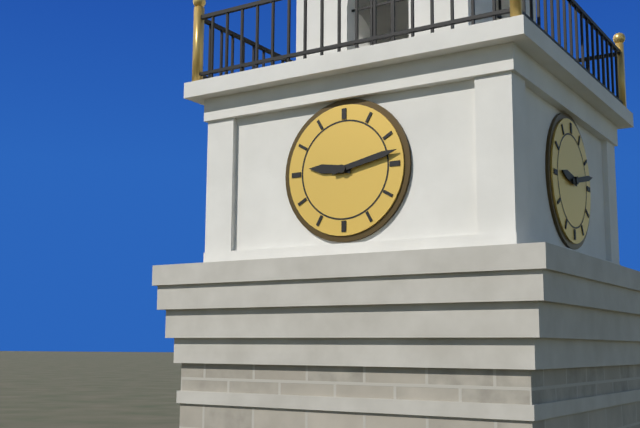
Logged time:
9h13
